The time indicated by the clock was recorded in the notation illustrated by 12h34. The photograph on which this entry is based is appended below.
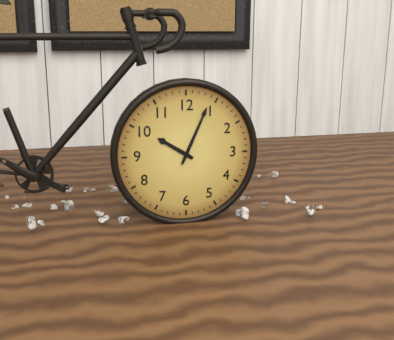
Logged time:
10h04
